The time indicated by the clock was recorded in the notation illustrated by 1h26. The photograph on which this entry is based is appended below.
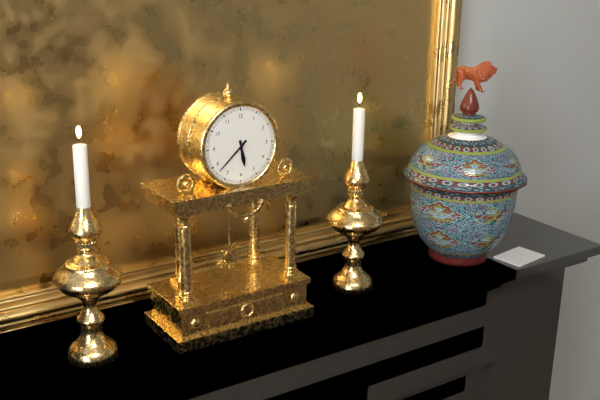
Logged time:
5h38
